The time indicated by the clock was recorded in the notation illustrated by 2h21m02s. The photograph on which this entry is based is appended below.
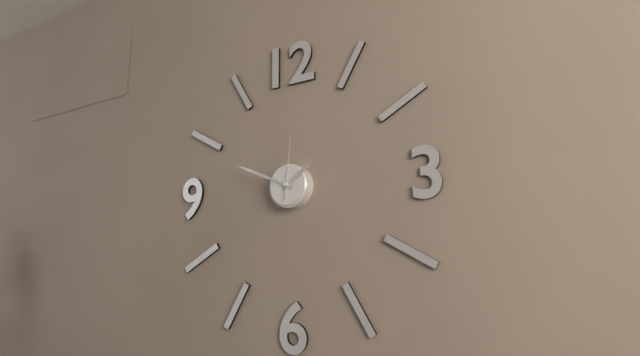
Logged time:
1h49m01s
